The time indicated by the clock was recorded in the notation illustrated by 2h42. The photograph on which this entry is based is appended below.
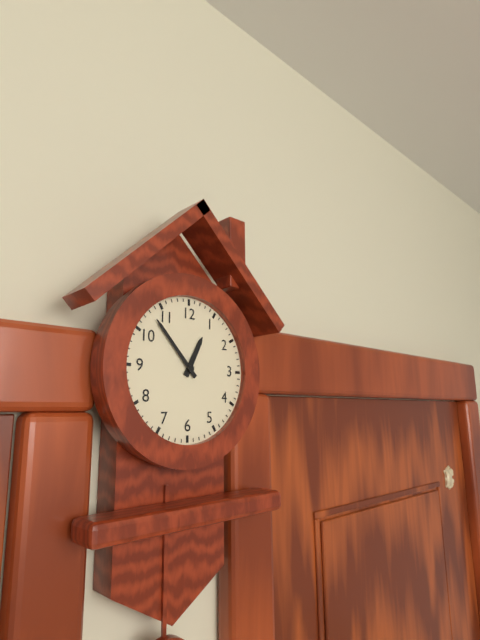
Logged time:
12h53
